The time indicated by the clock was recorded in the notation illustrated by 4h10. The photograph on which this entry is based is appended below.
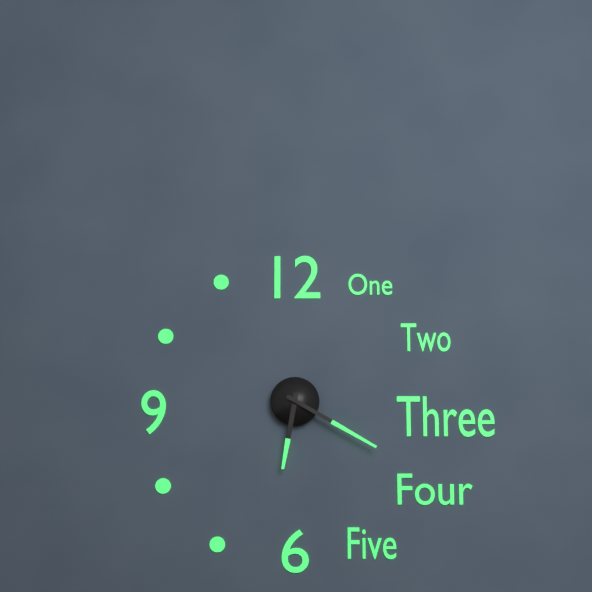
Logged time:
6h20
